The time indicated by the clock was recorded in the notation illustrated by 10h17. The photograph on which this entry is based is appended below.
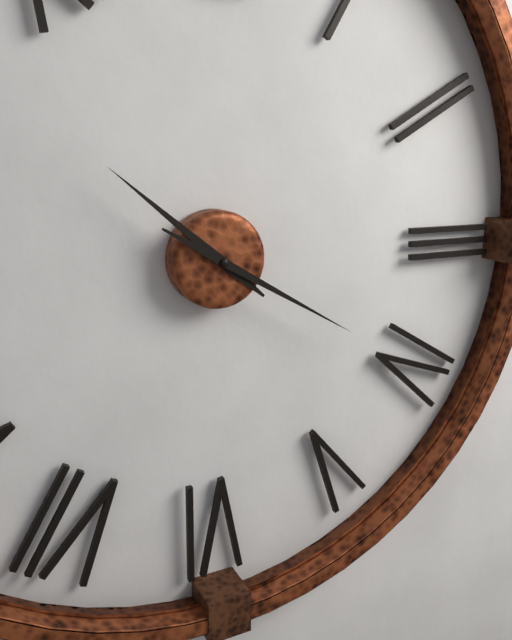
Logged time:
10h20
